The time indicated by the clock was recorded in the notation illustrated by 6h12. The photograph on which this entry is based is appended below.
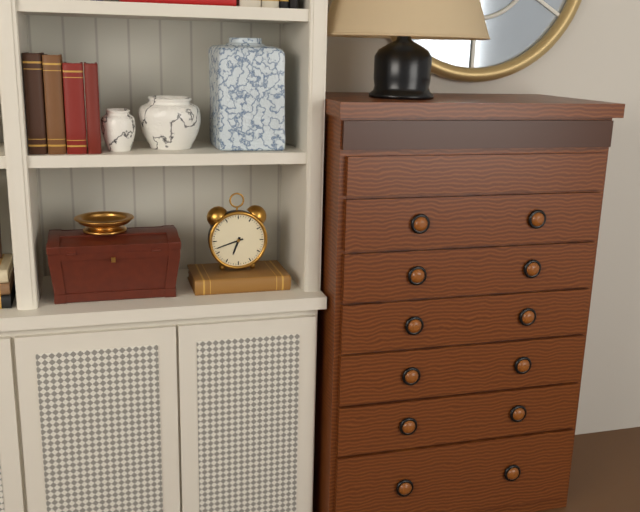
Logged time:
6h42
